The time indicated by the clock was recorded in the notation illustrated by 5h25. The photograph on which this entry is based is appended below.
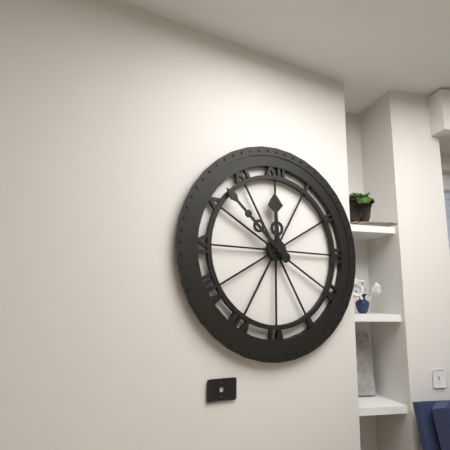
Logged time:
11h52
